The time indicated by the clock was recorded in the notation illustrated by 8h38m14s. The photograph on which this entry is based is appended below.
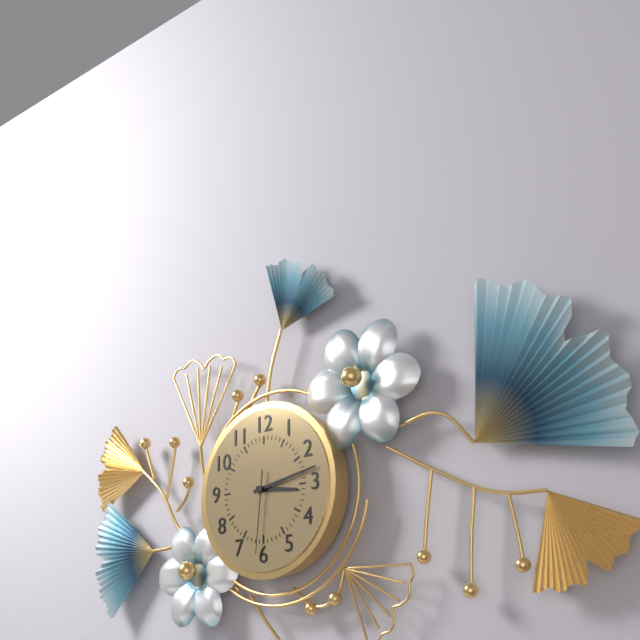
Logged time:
3h13m31s
